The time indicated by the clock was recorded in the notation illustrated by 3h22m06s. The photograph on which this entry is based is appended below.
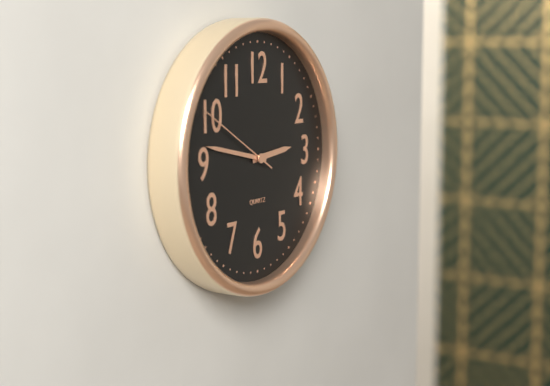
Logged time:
2h47m50s
